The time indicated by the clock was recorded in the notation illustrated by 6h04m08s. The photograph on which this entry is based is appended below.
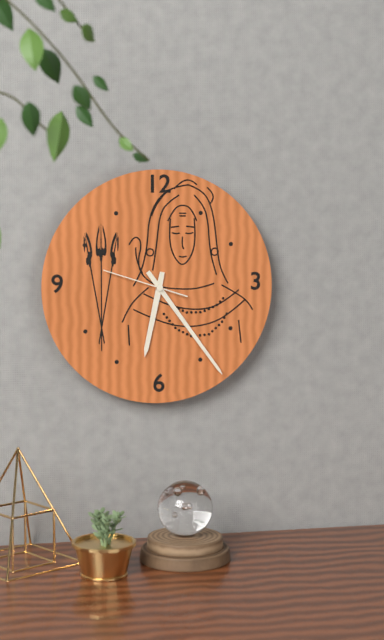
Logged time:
6h24m48s
